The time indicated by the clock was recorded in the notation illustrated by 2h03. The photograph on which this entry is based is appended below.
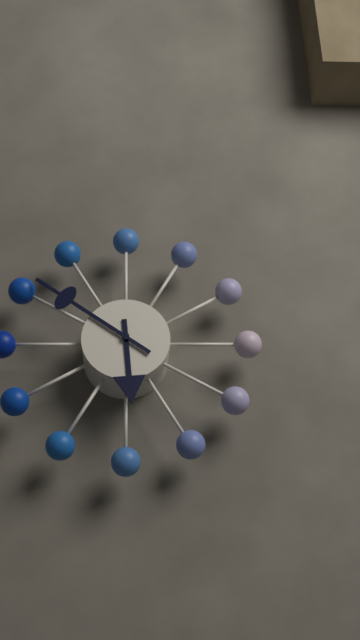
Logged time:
5h51
